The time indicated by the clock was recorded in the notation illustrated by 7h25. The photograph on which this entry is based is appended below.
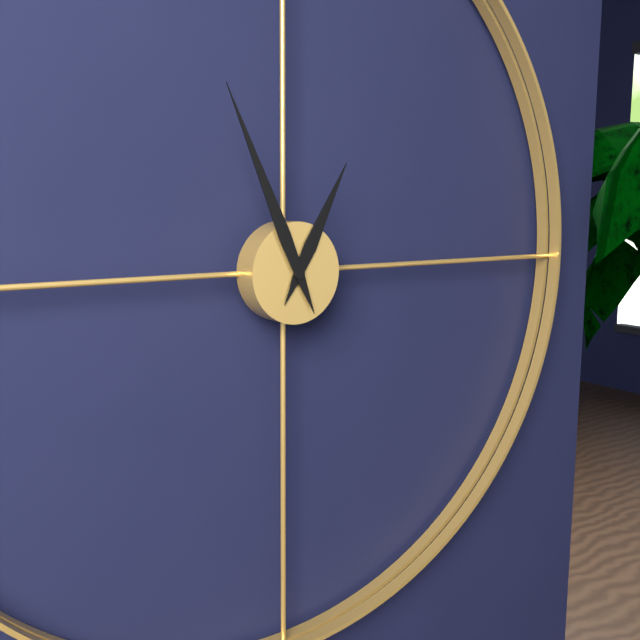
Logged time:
12h56
